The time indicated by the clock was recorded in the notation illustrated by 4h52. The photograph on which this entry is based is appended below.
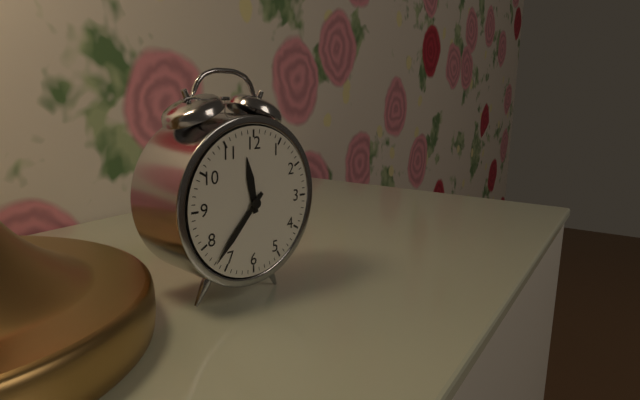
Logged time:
11h37
